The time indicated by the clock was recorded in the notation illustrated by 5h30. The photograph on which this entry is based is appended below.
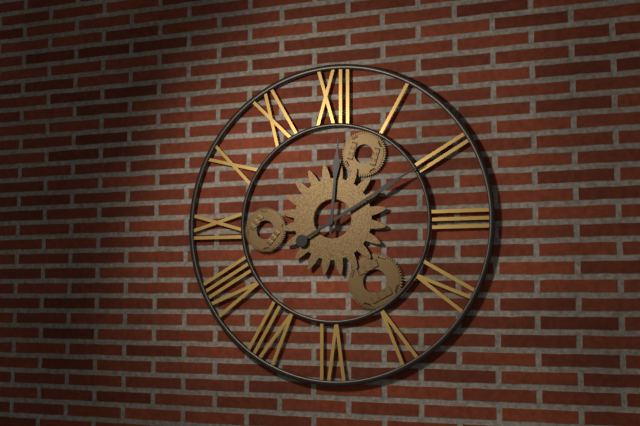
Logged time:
12h10
